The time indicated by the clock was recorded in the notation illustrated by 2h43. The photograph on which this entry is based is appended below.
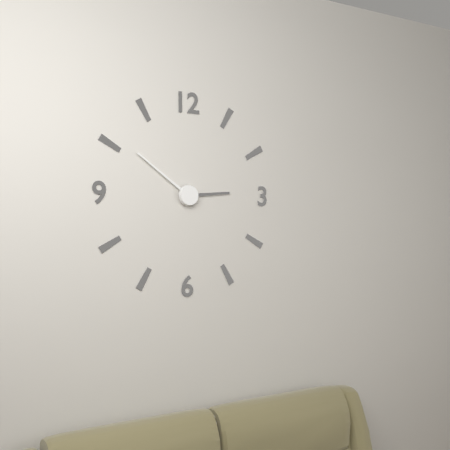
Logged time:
2h51
